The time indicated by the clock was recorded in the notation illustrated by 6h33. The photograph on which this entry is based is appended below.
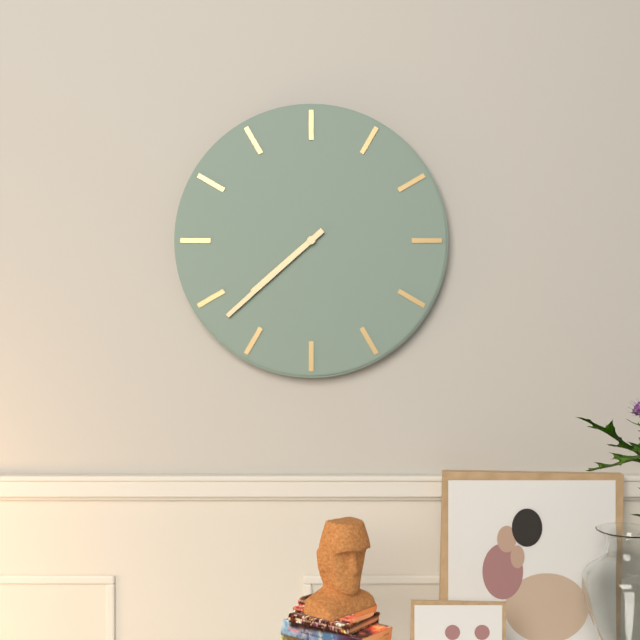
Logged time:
7h38
